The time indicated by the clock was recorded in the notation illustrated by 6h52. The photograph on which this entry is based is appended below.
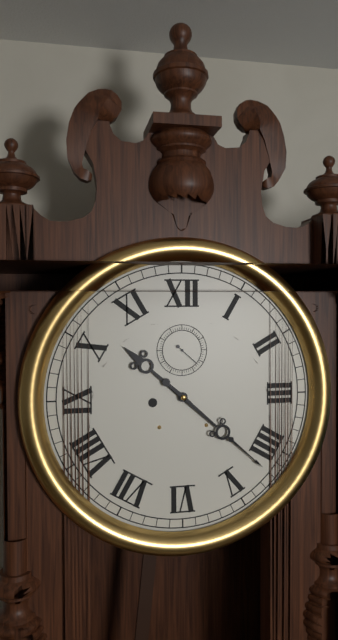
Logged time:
10h22
